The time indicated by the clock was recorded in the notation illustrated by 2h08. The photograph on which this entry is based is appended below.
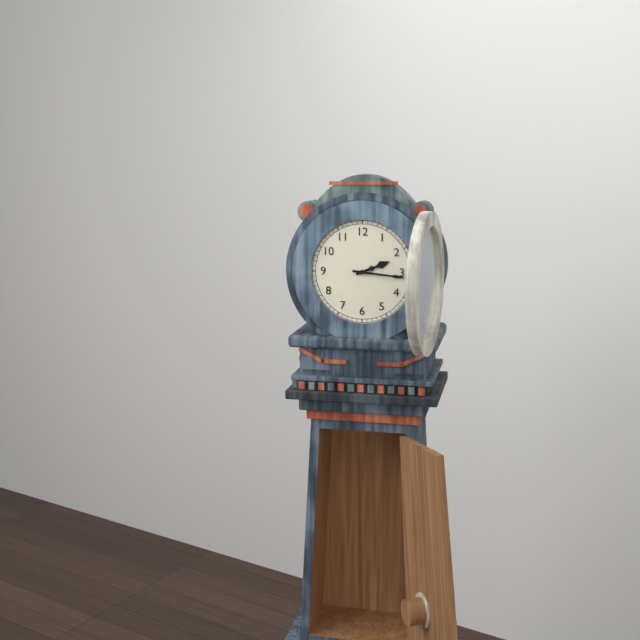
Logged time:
2h16
